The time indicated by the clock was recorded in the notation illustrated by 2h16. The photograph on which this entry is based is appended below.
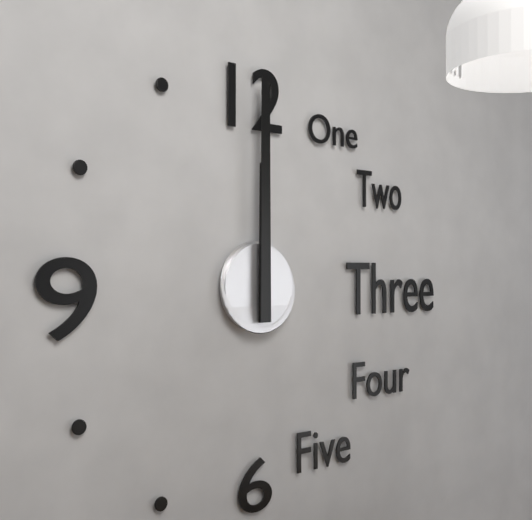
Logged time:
12h00
